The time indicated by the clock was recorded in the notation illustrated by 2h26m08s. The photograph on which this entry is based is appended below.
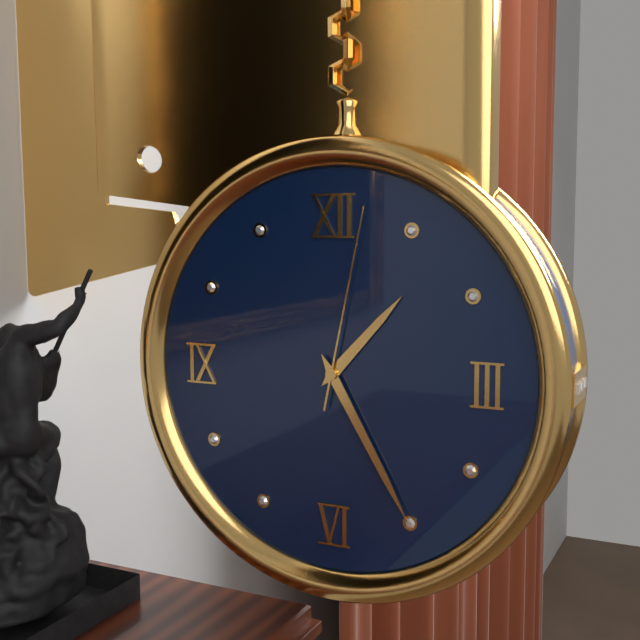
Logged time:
1h25m02s
